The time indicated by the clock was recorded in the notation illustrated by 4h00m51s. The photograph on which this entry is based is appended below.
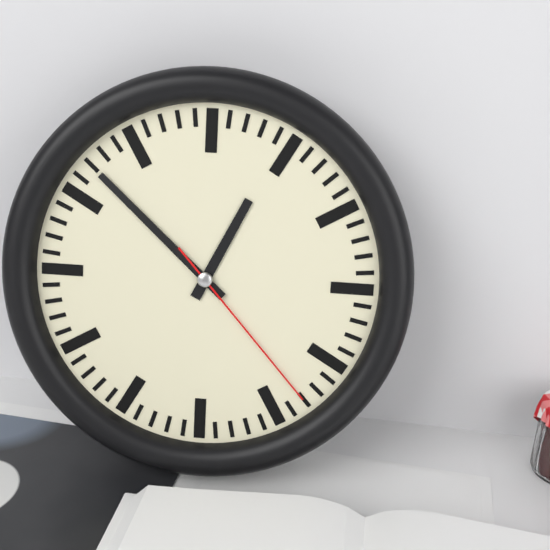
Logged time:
12h52m23s
